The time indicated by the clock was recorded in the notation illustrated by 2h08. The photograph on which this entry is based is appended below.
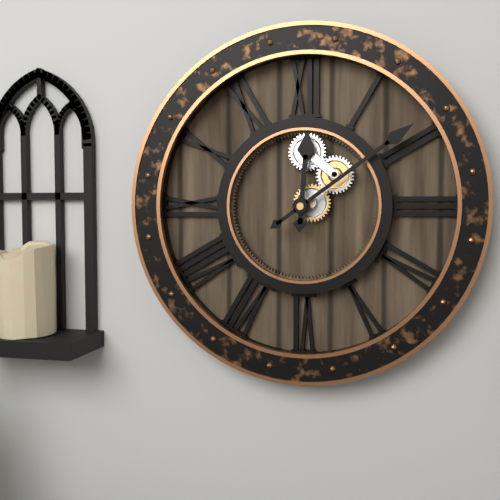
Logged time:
12h09
